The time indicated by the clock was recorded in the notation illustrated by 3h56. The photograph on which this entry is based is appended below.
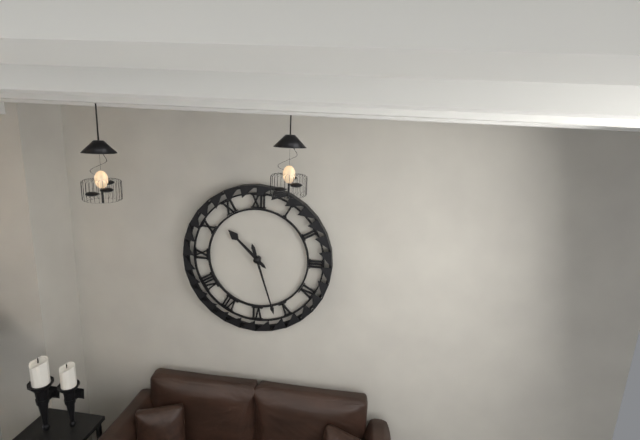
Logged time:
10h27
